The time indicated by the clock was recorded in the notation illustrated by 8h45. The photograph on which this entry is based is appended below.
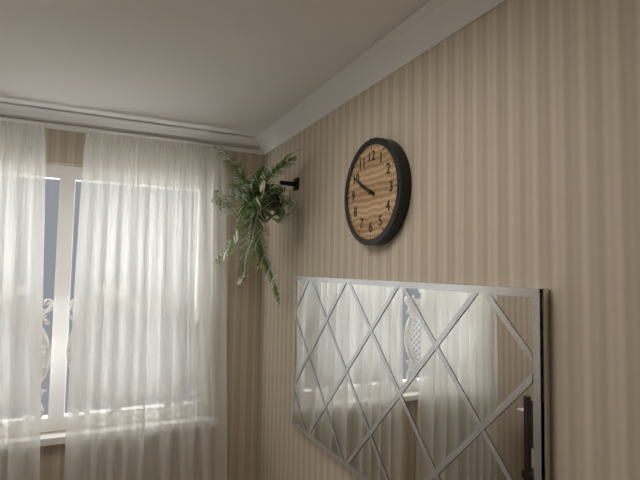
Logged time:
9h50
